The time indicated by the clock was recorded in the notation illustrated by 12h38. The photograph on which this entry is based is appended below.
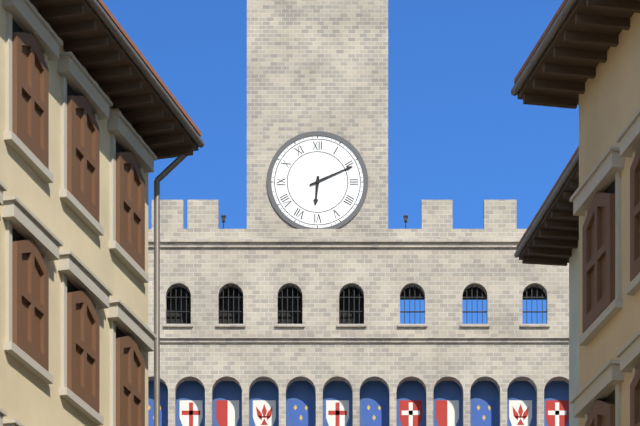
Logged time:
6h11
